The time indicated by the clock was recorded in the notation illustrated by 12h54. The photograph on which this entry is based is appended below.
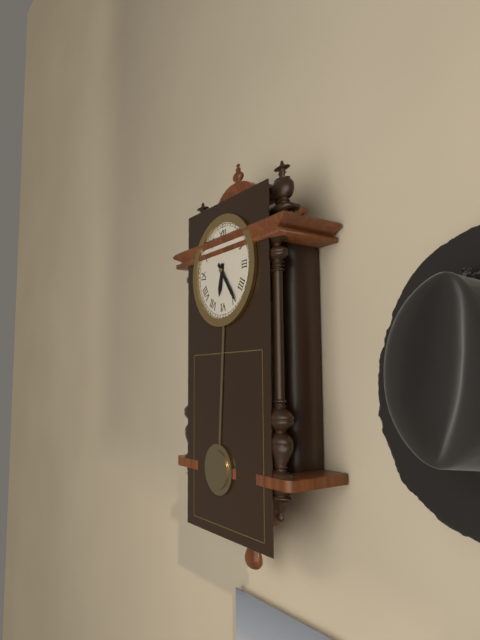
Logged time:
6h24
